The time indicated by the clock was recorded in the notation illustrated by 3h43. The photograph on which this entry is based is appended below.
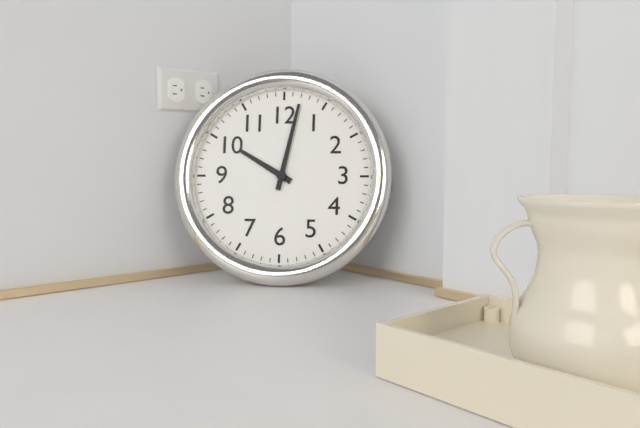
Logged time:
10h02
